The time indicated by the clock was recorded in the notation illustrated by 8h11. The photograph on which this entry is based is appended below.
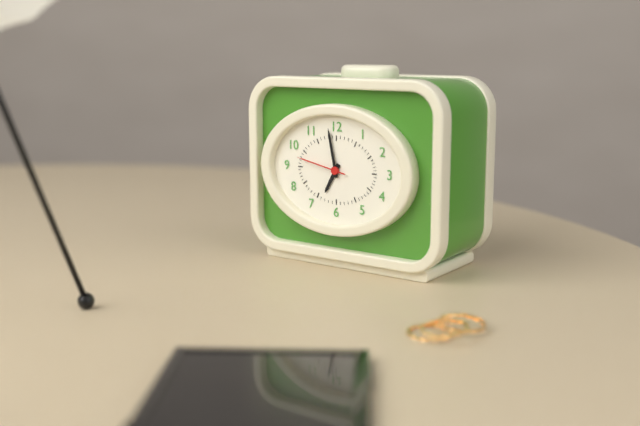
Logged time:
6h58
